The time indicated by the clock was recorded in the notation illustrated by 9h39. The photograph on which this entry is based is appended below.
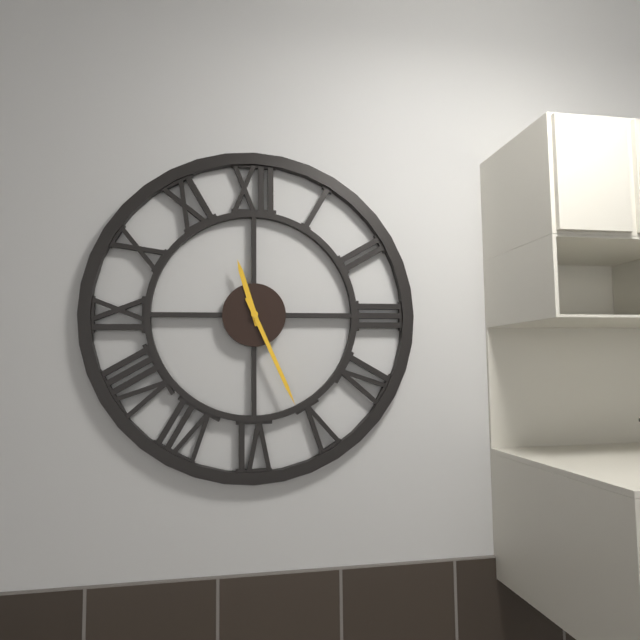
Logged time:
11h26
